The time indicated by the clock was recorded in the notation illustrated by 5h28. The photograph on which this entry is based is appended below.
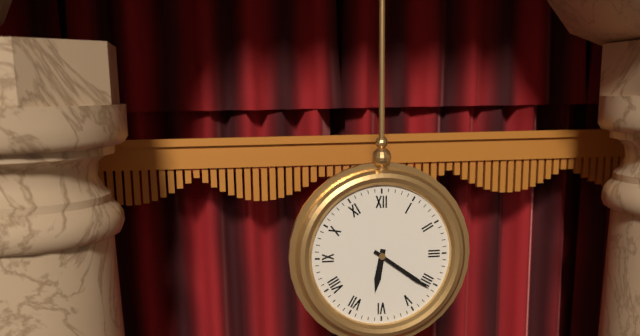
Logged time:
6h21
